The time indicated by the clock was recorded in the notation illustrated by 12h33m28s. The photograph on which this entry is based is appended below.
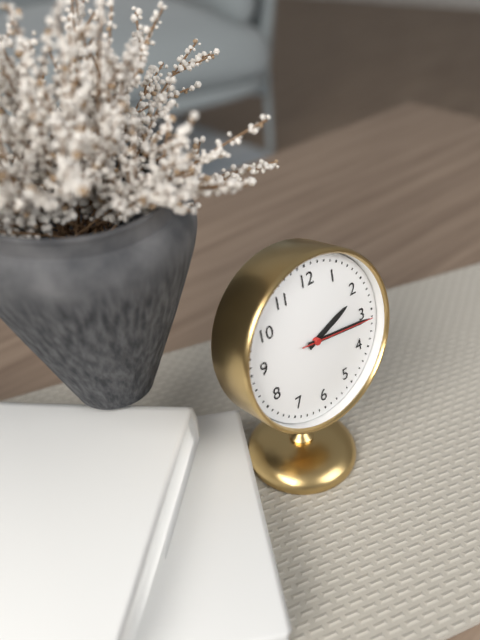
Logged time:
2h16m16s
